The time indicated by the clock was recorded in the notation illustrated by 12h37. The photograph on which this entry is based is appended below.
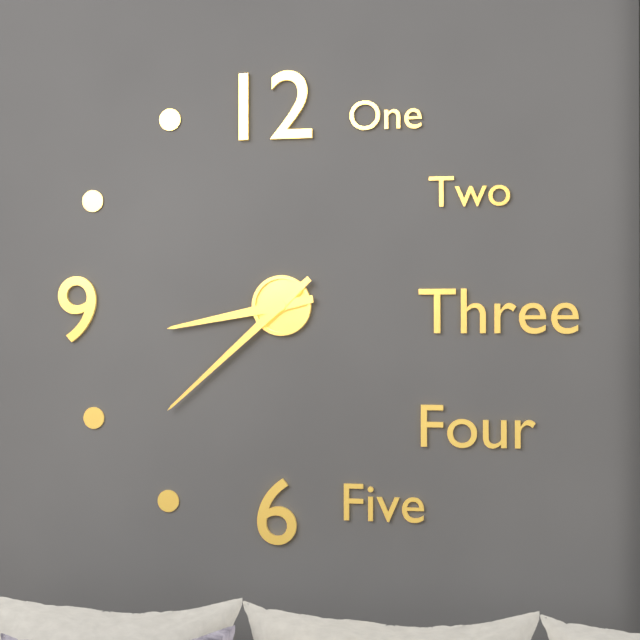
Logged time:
8h38
